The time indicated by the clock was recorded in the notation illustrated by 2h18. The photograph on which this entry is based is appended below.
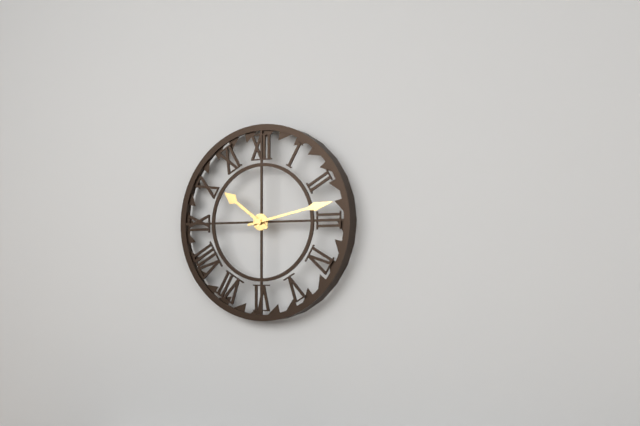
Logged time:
10h13
